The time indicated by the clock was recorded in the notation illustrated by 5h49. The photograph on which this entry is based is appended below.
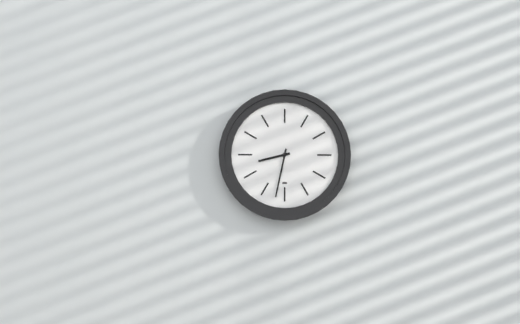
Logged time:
8h32
